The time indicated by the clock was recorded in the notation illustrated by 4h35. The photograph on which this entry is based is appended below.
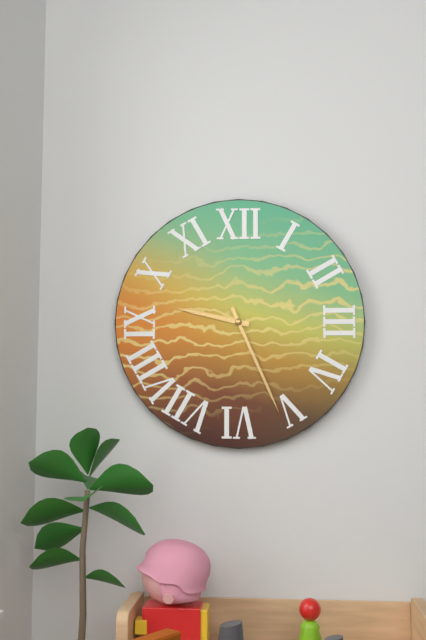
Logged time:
9h26
